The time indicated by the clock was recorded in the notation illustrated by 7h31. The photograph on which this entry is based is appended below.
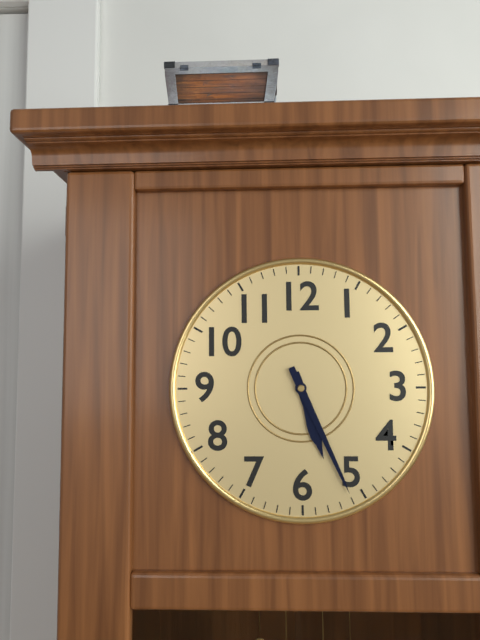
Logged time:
5h26
